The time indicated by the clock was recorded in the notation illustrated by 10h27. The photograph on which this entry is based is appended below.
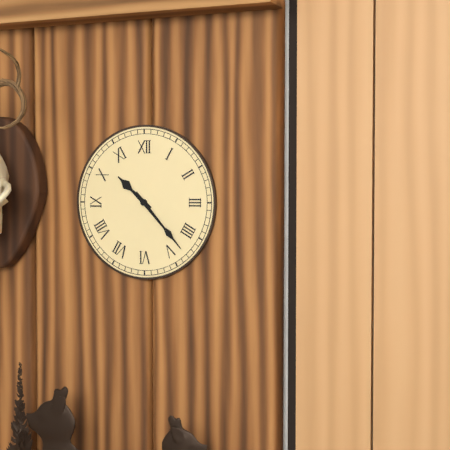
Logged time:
10h23
